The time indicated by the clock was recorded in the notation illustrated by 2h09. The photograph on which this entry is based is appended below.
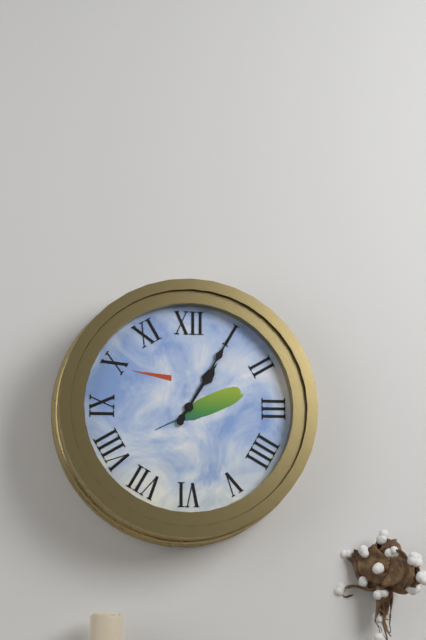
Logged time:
1h05
